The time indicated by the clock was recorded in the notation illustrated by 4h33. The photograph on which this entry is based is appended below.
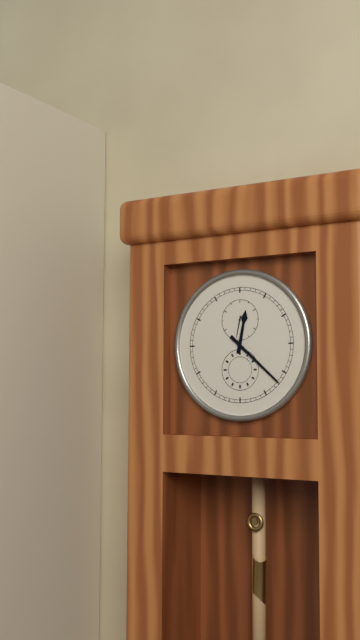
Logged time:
12h22
